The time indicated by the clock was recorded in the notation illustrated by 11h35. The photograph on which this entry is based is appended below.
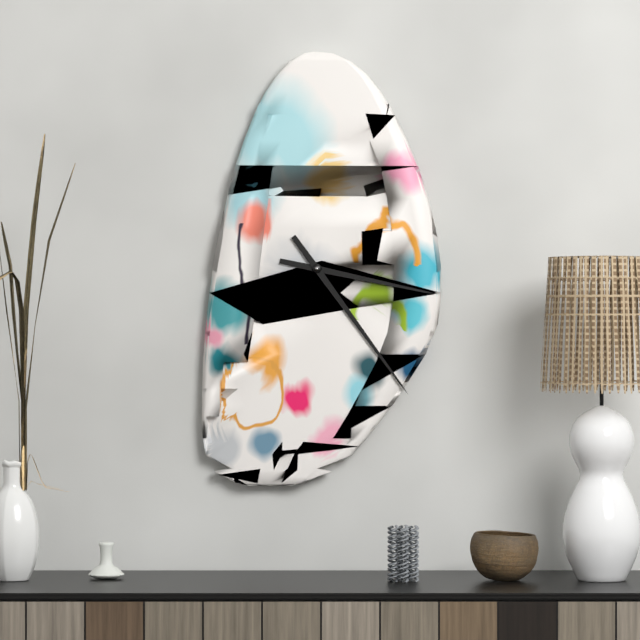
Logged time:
3h24
